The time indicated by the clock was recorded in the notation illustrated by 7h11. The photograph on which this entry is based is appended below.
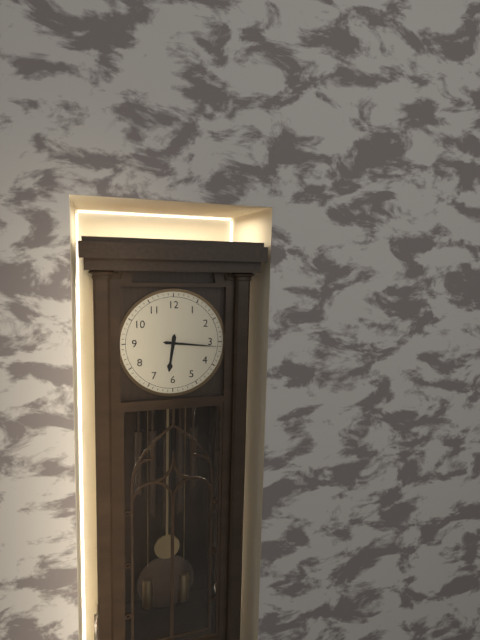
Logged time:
6h16
